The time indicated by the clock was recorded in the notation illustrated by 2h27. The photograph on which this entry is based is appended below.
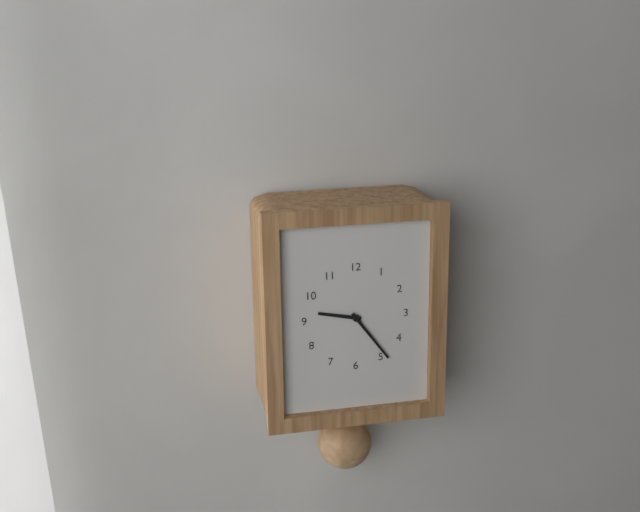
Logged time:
9h24
